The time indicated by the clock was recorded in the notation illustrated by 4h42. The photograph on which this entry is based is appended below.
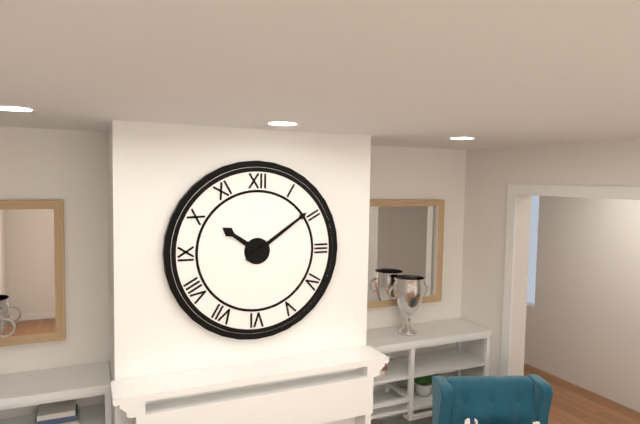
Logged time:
10h09
